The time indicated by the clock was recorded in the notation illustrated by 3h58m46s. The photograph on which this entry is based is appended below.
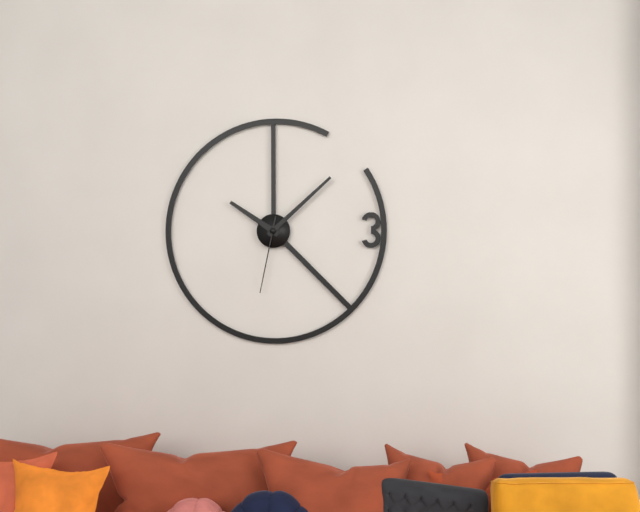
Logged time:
10h08m32s
